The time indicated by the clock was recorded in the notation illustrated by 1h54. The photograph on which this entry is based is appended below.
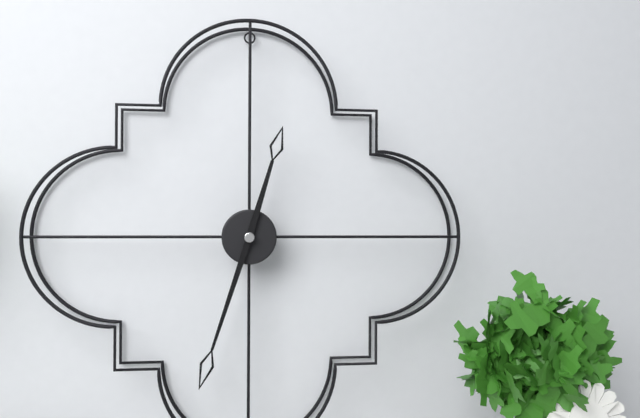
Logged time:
12h33
